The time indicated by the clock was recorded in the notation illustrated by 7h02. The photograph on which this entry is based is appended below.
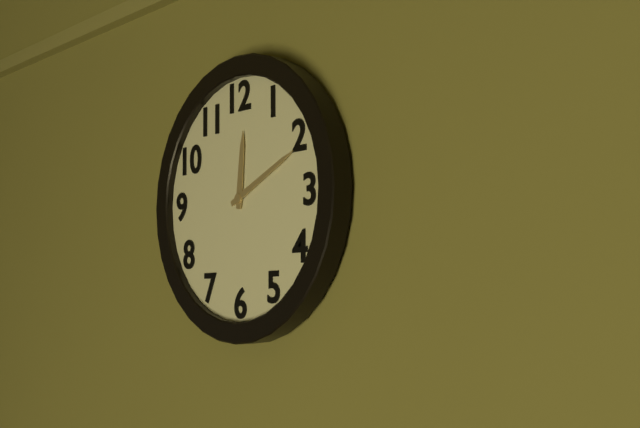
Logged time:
12h11
